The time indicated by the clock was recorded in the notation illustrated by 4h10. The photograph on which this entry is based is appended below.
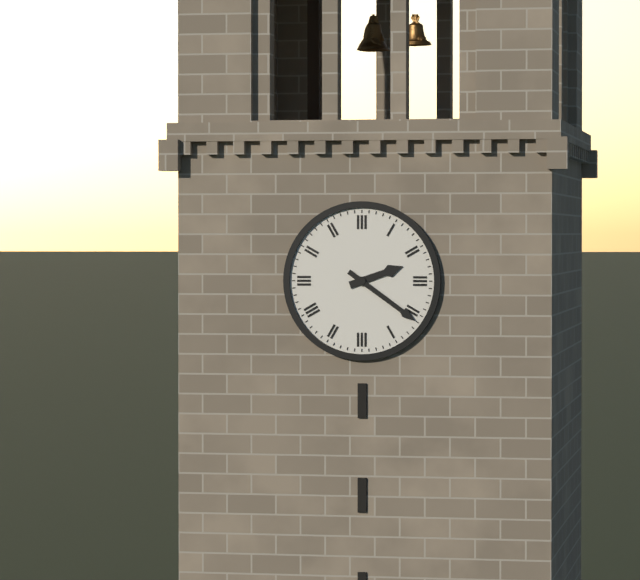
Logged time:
2h21
